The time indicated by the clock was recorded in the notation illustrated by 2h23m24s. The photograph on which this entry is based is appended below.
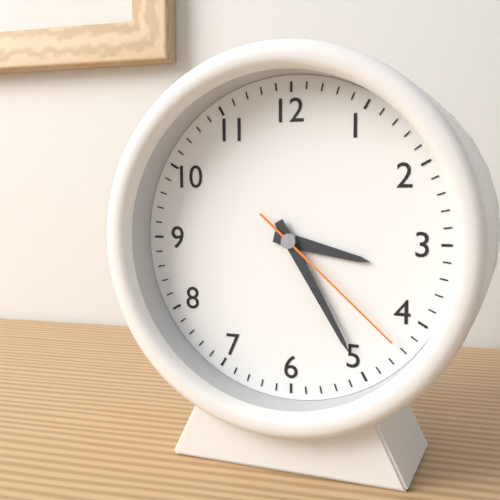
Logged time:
3h25m22s
